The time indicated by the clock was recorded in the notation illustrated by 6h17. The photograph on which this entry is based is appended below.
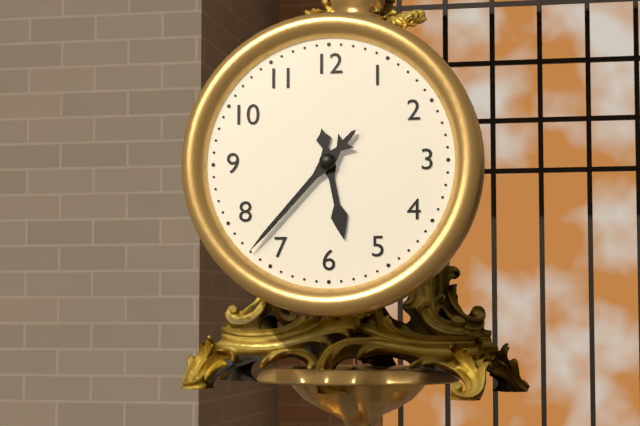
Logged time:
5h37
